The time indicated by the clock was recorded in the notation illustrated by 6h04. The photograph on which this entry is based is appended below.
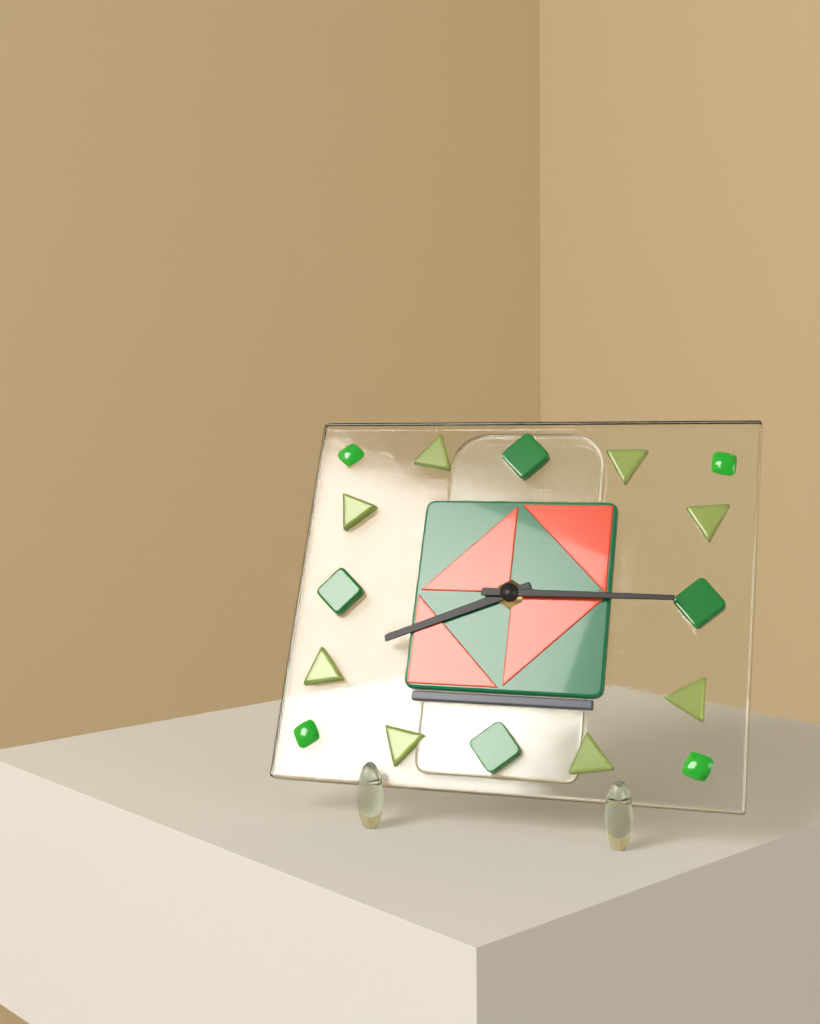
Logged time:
8h15
